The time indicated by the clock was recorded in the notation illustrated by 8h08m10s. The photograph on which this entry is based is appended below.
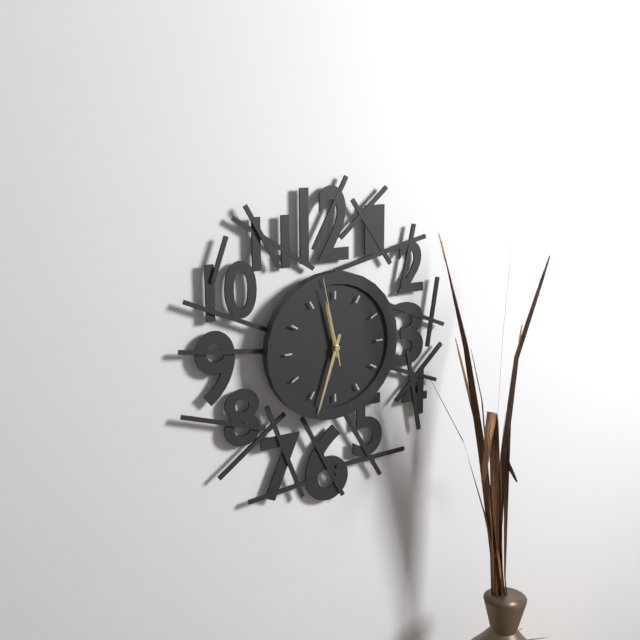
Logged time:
11h33m58s
